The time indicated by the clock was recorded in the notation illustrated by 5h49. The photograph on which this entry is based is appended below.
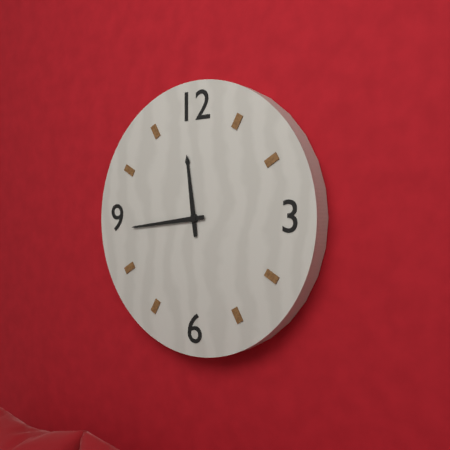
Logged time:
11h44
